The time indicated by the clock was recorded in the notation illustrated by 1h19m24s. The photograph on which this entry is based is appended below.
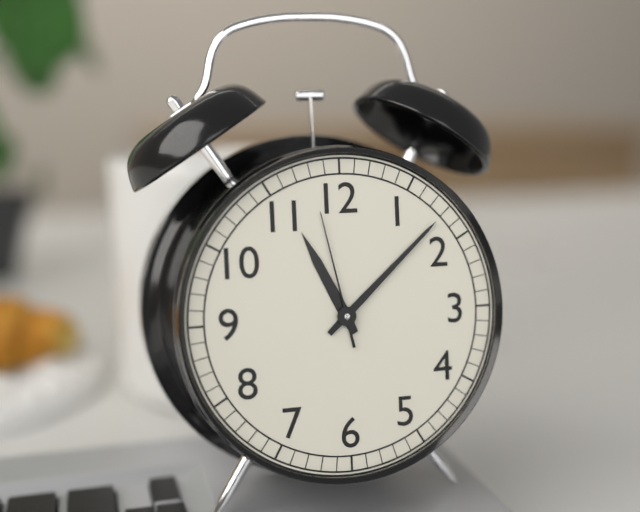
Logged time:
11h08m58s
